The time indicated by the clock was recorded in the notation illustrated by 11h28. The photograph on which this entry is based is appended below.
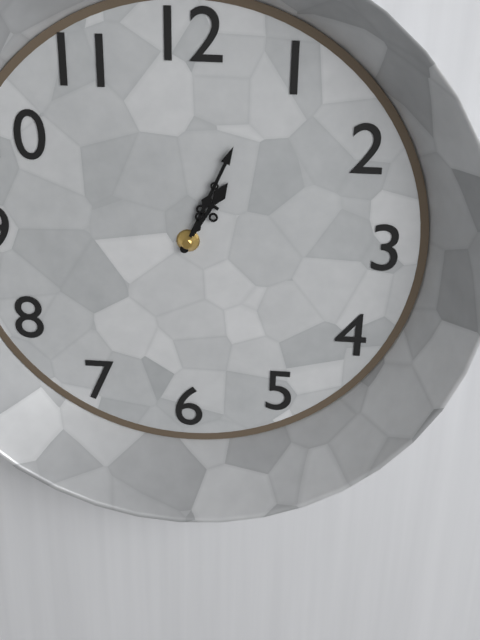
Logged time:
1h04
